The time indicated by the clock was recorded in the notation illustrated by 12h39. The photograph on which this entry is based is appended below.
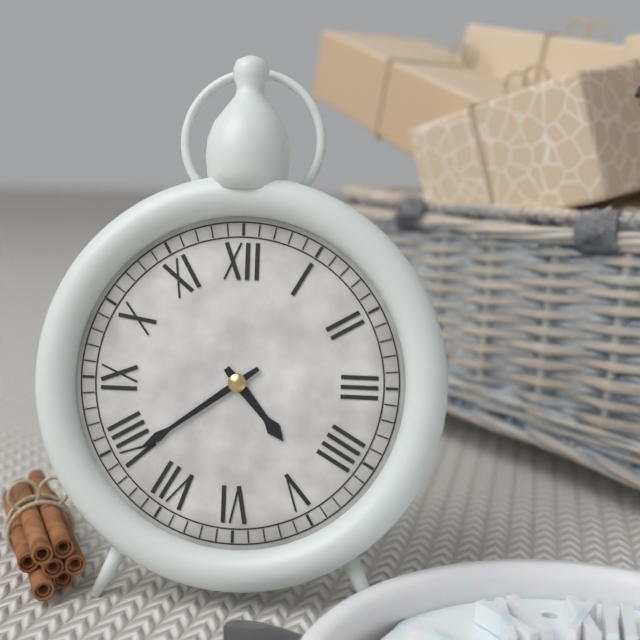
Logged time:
4h39
